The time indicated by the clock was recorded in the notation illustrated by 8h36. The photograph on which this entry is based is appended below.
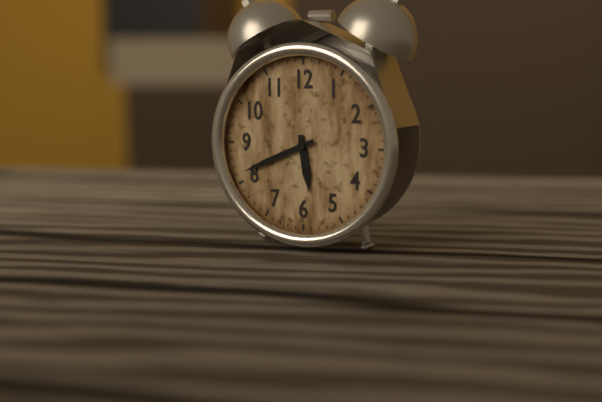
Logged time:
5h41
